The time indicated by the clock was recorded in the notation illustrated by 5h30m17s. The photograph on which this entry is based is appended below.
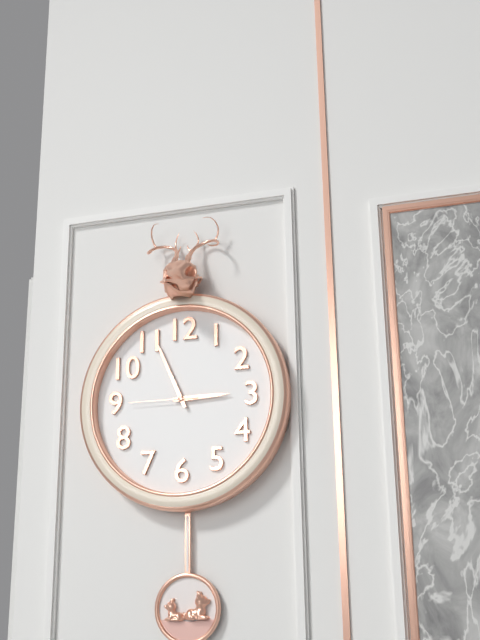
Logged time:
2h56m45s
